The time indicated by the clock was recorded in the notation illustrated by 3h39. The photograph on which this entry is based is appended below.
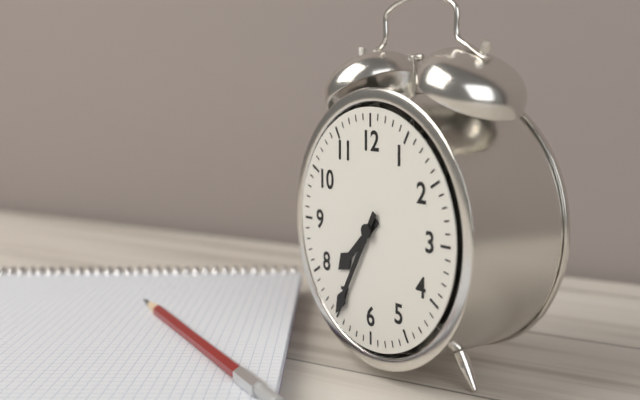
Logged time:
7h35
